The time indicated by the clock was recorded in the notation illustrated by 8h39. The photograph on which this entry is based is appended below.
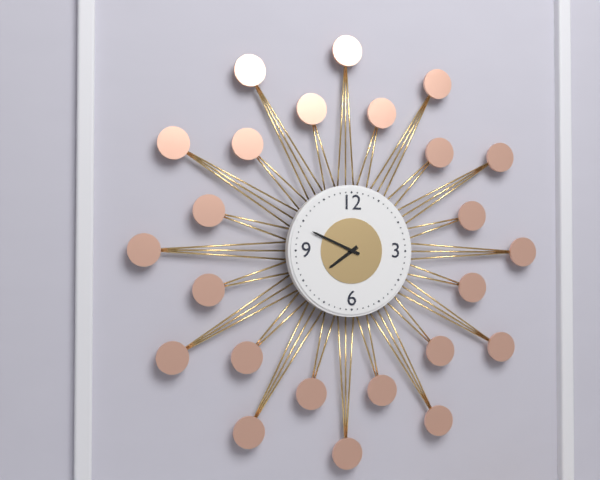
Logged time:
7h49
